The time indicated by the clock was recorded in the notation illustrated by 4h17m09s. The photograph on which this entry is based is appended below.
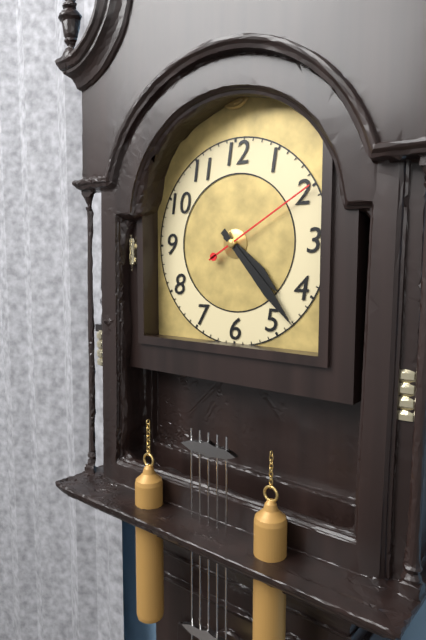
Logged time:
4h23m10s
